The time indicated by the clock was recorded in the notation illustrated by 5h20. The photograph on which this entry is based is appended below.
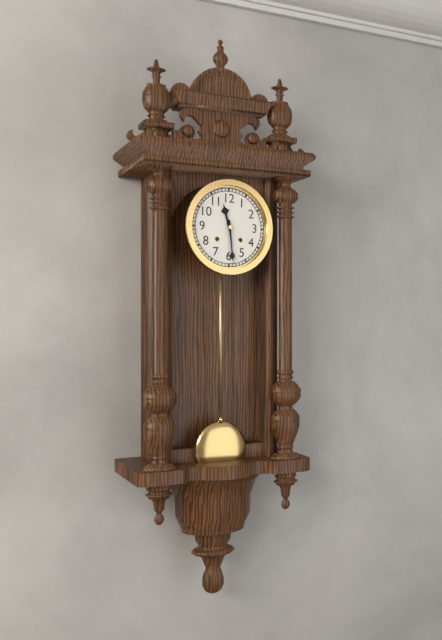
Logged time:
11h29
